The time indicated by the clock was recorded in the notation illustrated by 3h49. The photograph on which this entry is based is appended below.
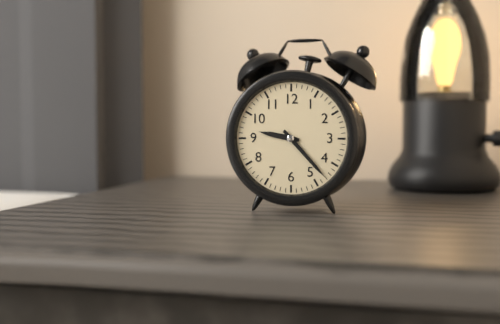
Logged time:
9h23
